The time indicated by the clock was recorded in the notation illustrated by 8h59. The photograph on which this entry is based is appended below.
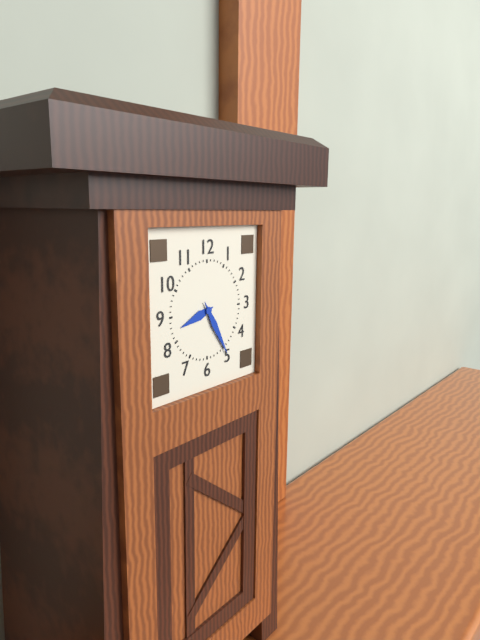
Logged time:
8h25
